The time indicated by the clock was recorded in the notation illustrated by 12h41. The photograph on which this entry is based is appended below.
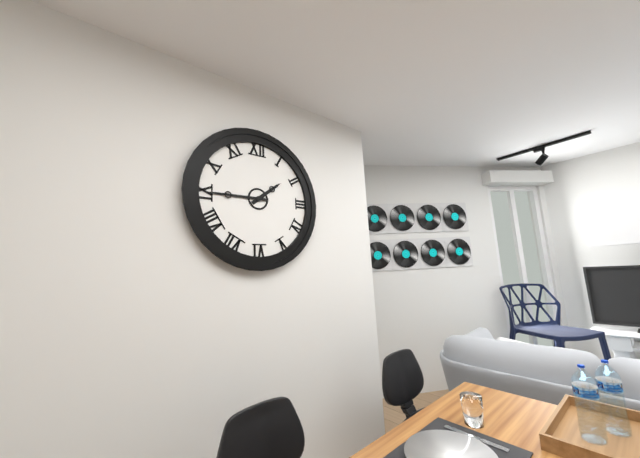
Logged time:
1h45
